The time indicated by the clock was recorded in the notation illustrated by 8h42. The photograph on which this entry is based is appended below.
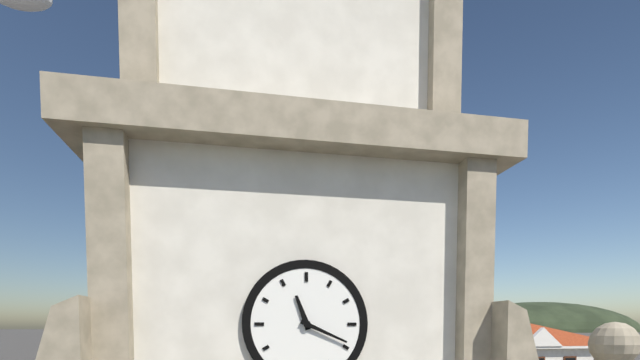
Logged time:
11h19
